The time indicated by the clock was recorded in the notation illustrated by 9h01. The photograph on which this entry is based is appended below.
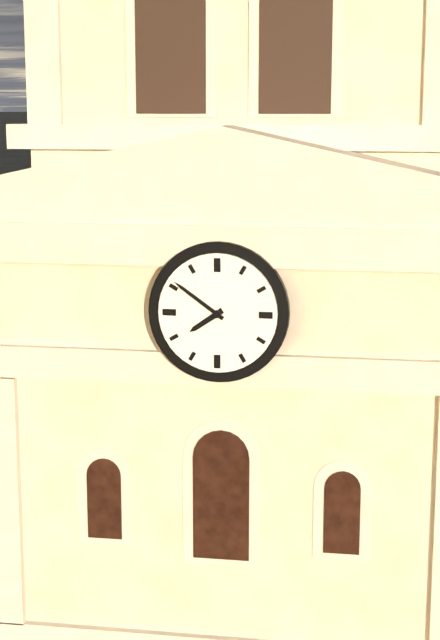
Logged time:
7h51
